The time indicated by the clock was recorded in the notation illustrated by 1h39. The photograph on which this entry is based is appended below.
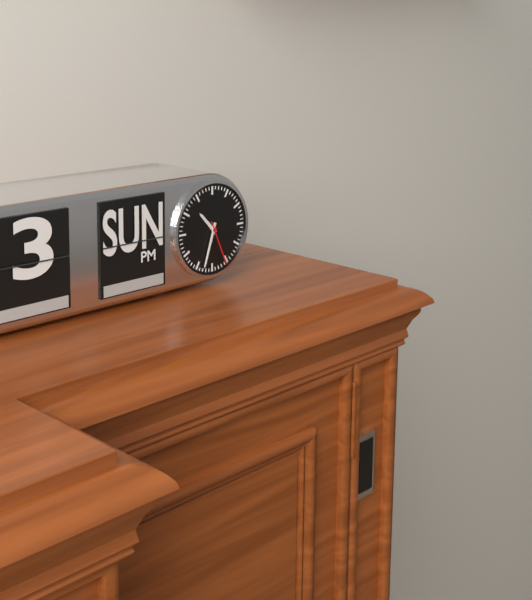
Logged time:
10h33
